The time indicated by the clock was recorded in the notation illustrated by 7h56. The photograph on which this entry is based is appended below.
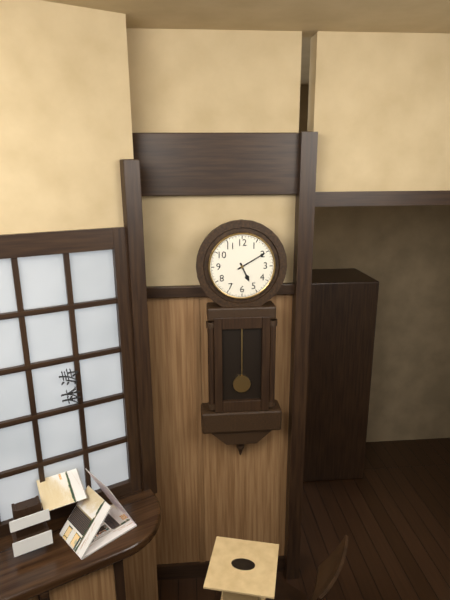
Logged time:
5h10
